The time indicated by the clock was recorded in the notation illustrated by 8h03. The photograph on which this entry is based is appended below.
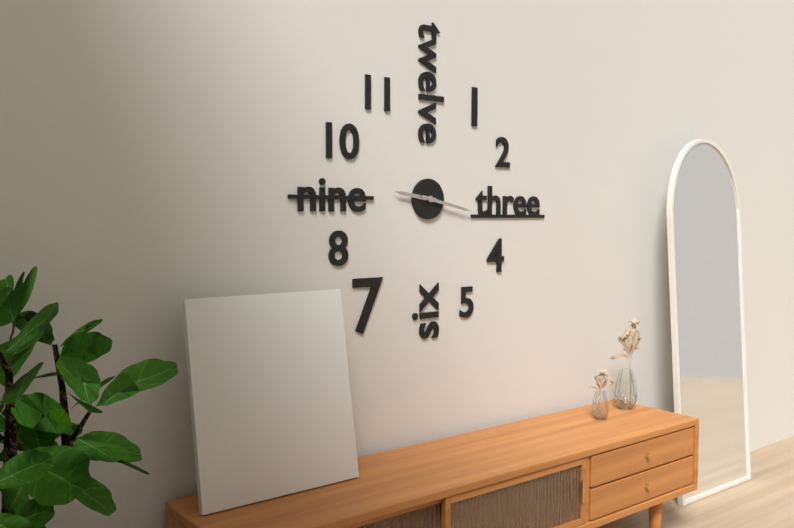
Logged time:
9h17
